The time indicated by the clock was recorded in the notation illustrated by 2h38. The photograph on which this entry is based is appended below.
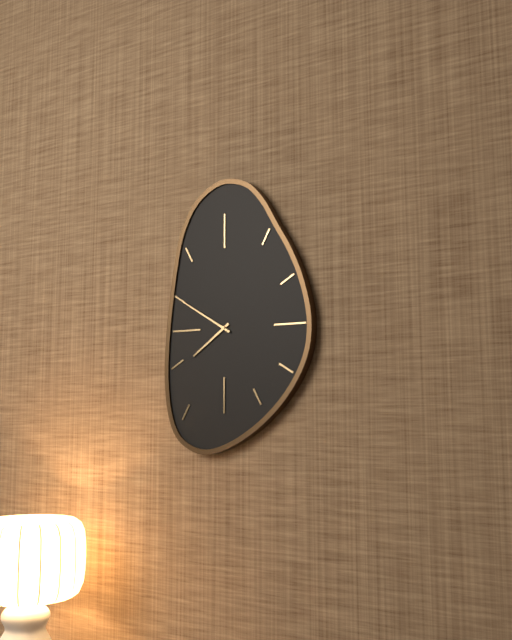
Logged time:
7h50
